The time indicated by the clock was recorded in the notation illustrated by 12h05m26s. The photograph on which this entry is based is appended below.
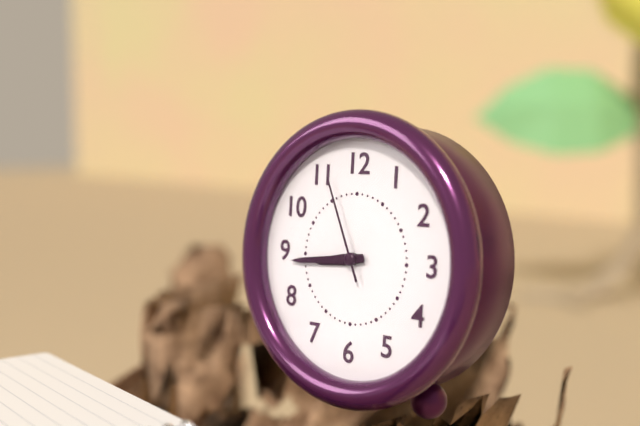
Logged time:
8h44m56s
